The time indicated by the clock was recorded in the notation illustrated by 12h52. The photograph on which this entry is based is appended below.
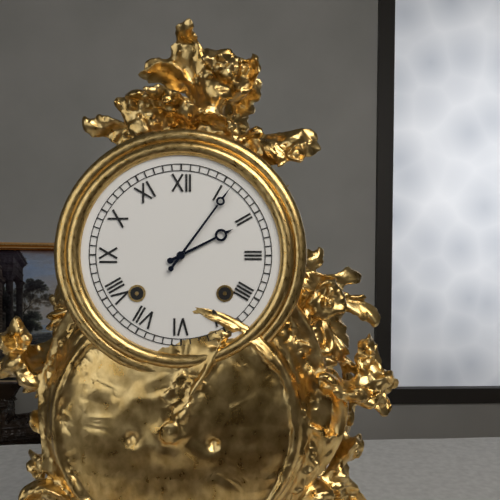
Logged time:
2h06
